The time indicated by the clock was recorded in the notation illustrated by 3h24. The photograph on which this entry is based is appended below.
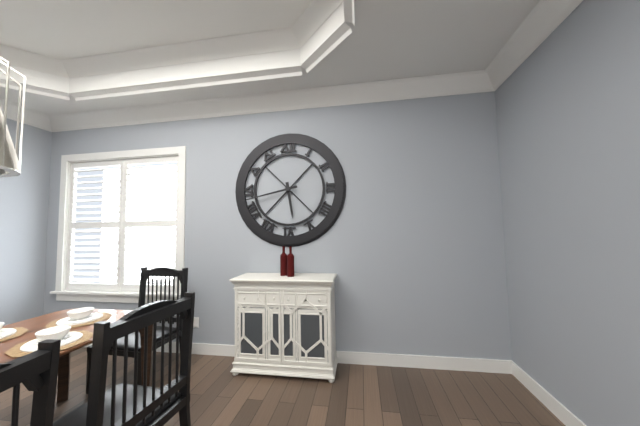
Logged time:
5h43
